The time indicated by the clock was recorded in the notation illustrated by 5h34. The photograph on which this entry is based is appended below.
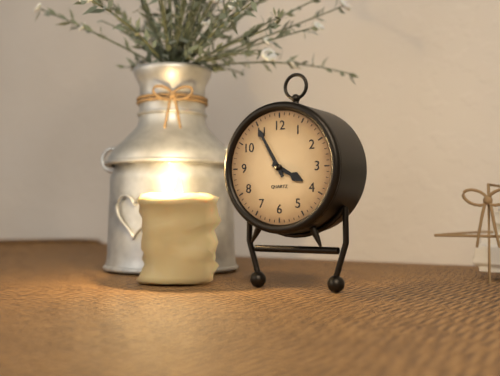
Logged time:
3h55
